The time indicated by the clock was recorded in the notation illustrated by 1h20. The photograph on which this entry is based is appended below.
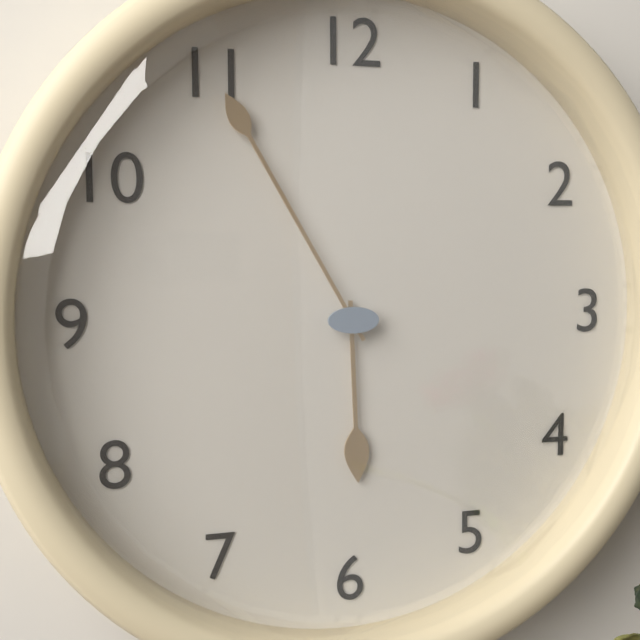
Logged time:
5h55
